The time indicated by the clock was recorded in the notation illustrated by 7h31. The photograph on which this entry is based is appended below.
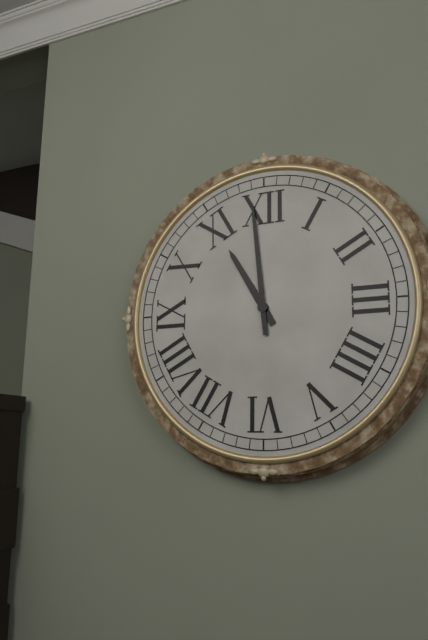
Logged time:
10h59
